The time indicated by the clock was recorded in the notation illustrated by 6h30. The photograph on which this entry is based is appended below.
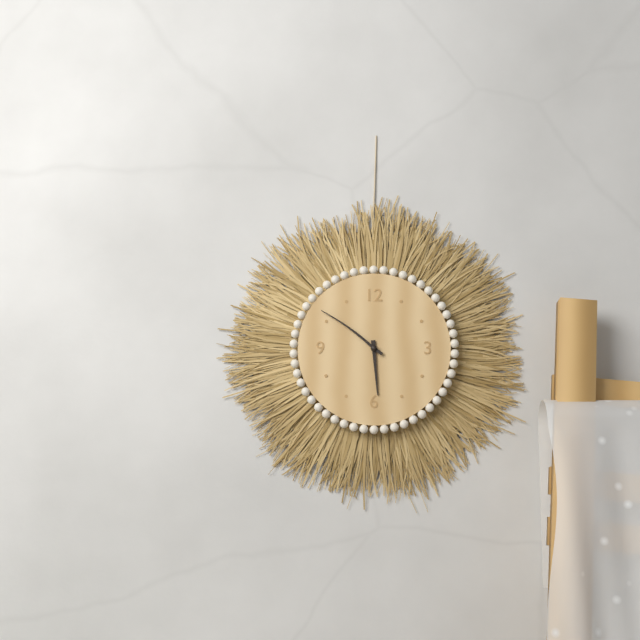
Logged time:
5h51
